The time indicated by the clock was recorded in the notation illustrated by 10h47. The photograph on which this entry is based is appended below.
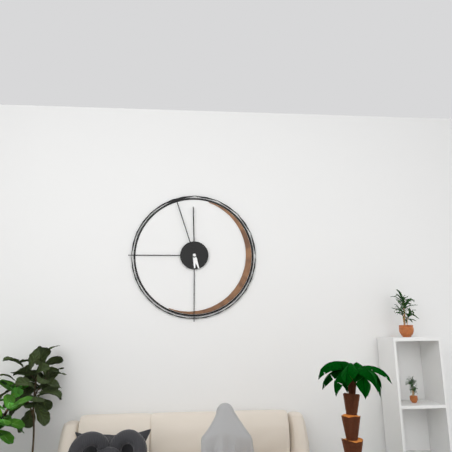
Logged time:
11h57
